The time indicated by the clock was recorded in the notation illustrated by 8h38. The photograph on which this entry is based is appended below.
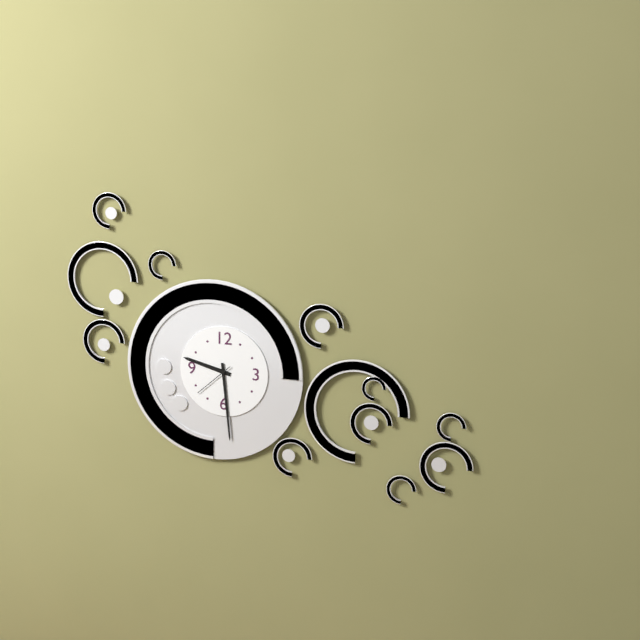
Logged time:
9h29
